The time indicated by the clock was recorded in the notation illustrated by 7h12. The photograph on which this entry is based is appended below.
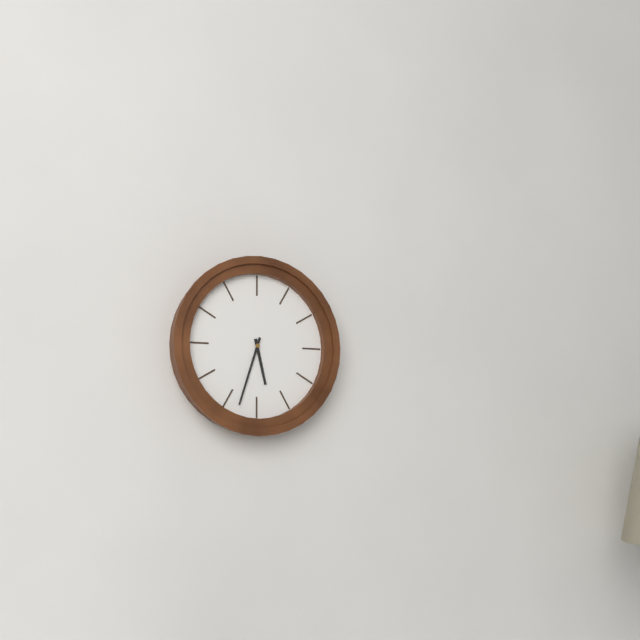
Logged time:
5h33
